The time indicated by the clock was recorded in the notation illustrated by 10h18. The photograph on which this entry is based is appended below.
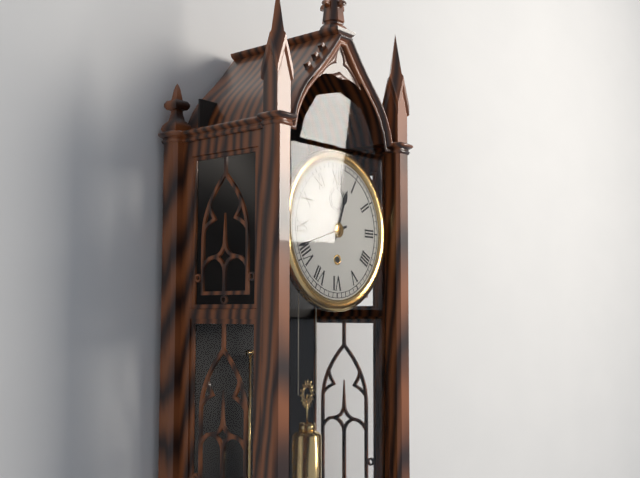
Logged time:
12h42
